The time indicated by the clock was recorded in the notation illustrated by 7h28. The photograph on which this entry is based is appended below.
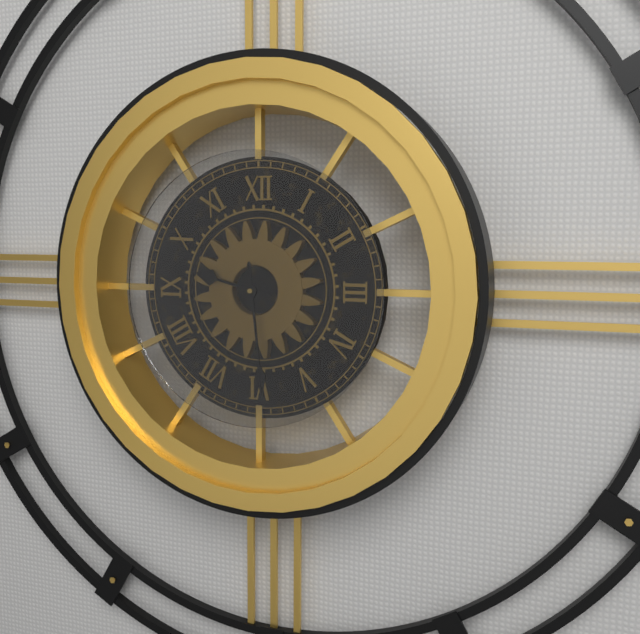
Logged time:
9h29
